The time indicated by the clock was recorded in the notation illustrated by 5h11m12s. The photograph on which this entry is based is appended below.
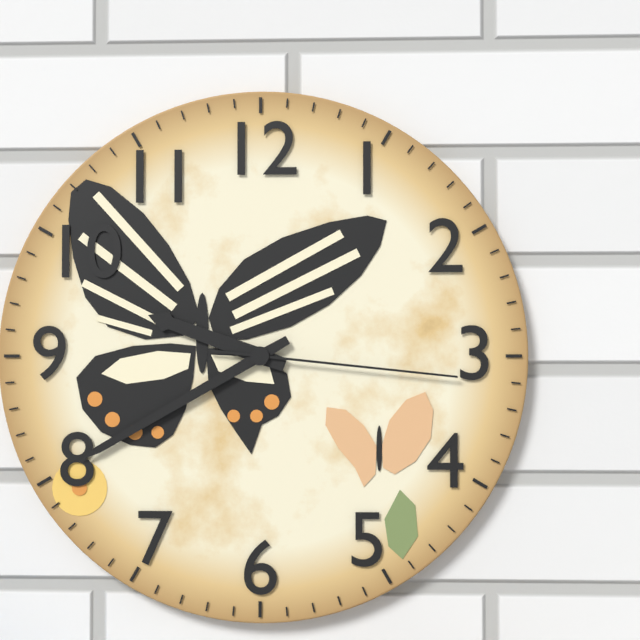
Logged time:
9h40m16s
